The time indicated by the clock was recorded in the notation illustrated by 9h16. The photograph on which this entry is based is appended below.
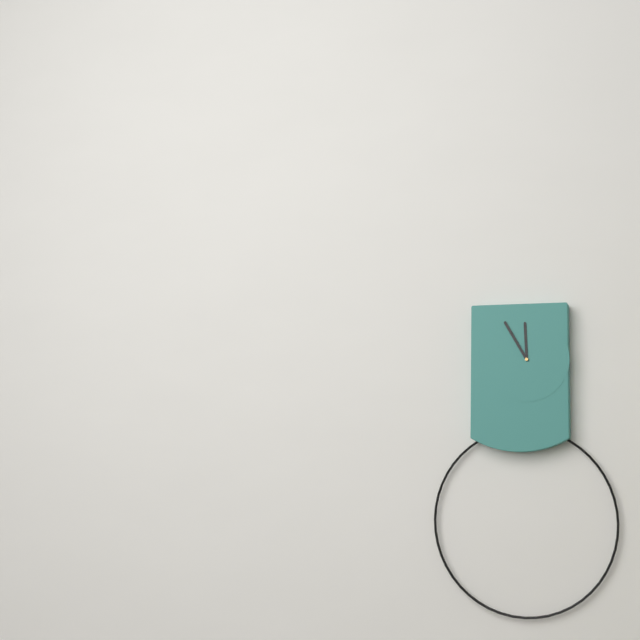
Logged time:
11h55
